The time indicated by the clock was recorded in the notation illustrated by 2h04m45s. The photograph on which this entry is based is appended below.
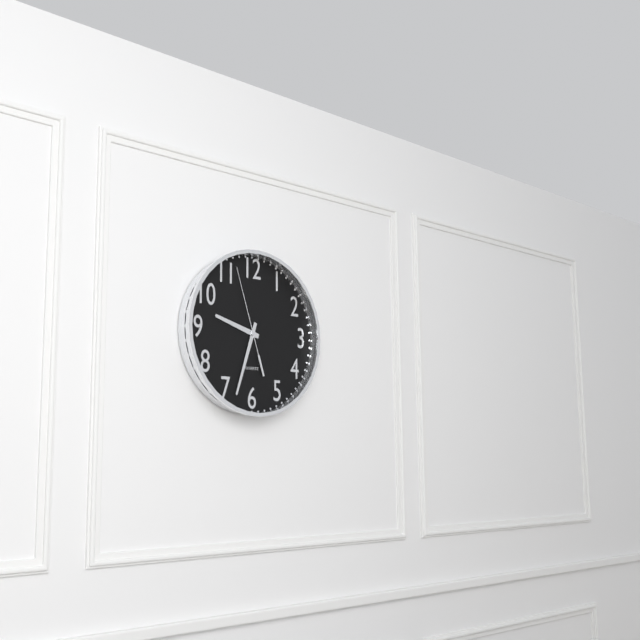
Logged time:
9h33m57s
